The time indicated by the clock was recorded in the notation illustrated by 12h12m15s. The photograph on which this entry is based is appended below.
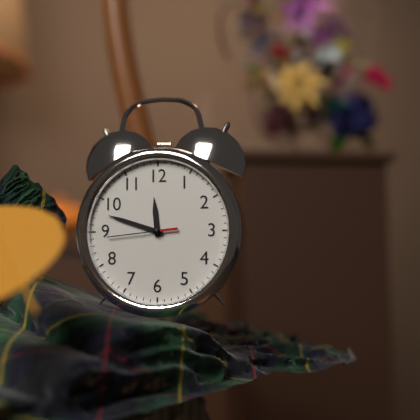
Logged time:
11h48m44s
